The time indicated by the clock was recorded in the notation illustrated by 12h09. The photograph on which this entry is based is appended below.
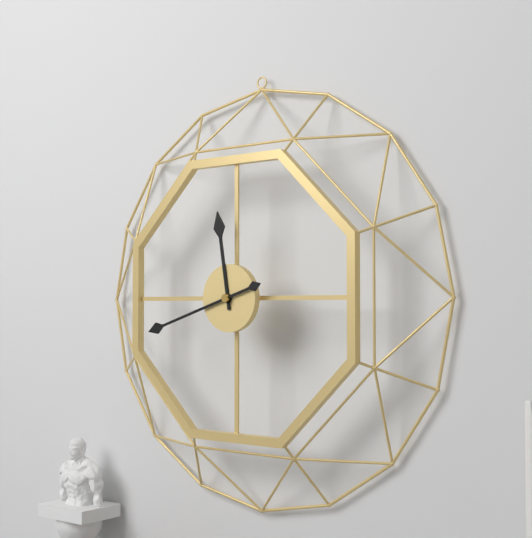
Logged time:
11h42
